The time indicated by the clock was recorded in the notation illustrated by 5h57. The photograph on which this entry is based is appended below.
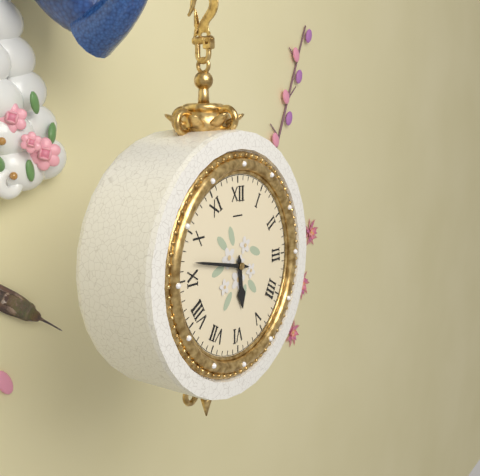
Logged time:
5h47
